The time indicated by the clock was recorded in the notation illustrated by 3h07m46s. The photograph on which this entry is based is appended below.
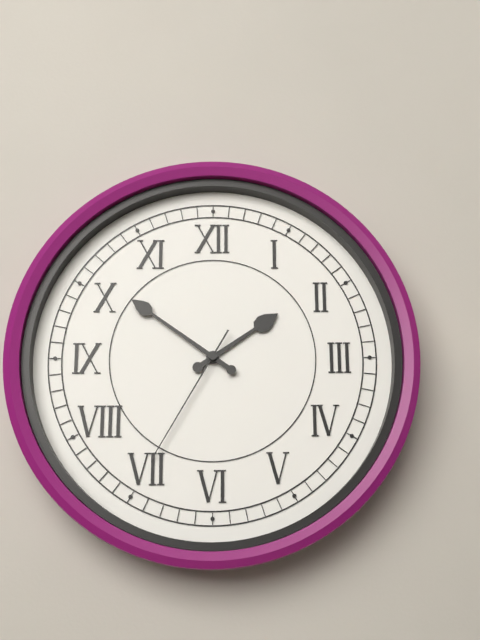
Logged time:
1h51m35s
